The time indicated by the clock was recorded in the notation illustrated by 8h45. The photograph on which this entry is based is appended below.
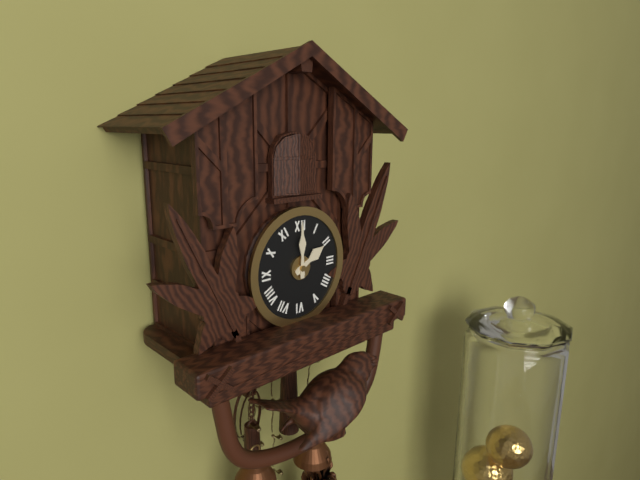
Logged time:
2h00
